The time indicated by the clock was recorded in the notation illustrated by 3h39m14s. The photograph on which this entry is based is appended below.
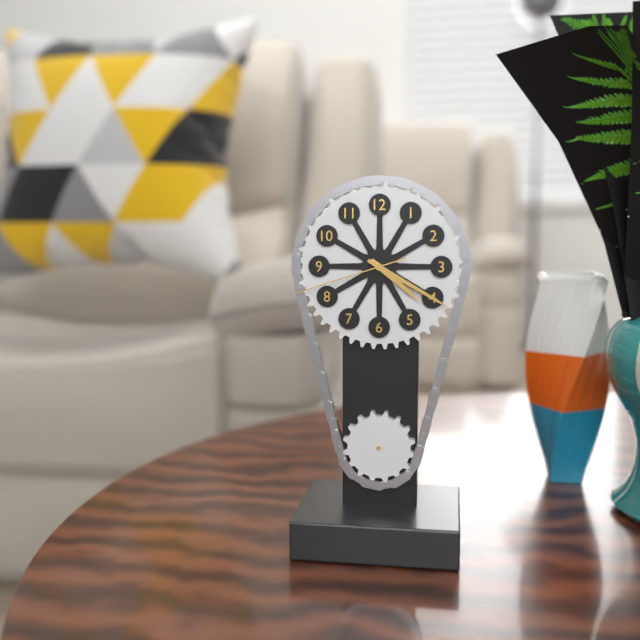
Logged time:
4h20m42s
